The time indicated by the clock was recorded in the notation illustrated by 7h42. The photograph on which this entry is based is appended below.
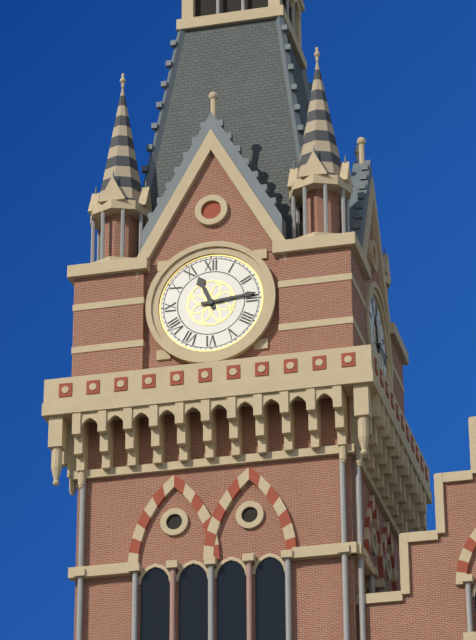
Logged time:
11h14
